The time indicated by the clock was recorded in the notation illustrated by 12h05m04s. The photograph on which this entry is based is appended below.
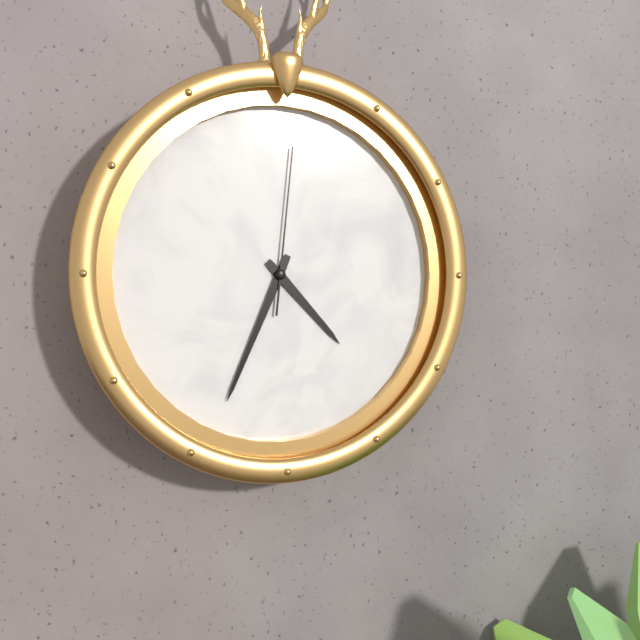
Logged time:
4h34m01s
